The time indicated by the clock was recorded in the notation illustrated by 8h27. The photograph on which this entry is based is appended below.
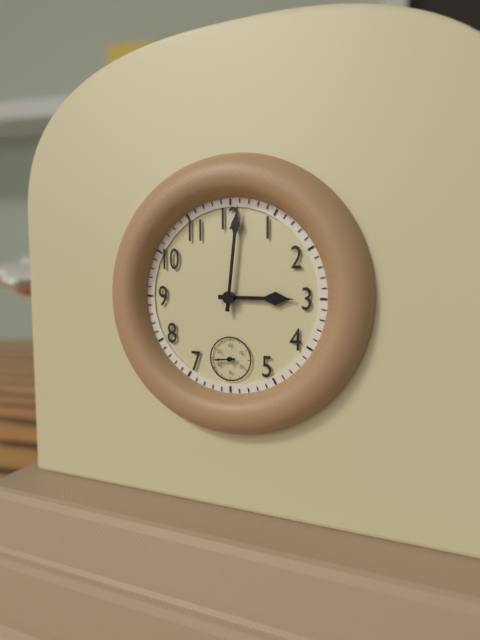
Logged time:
3h01
